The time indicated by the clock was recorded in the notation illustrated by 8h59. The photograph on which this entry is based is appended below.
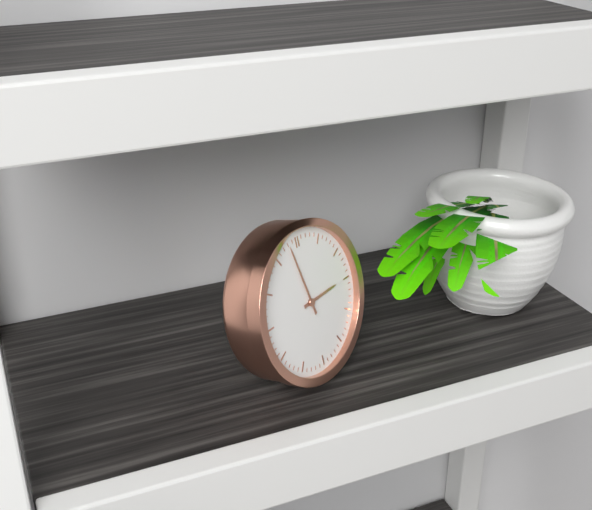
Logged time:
2h58
